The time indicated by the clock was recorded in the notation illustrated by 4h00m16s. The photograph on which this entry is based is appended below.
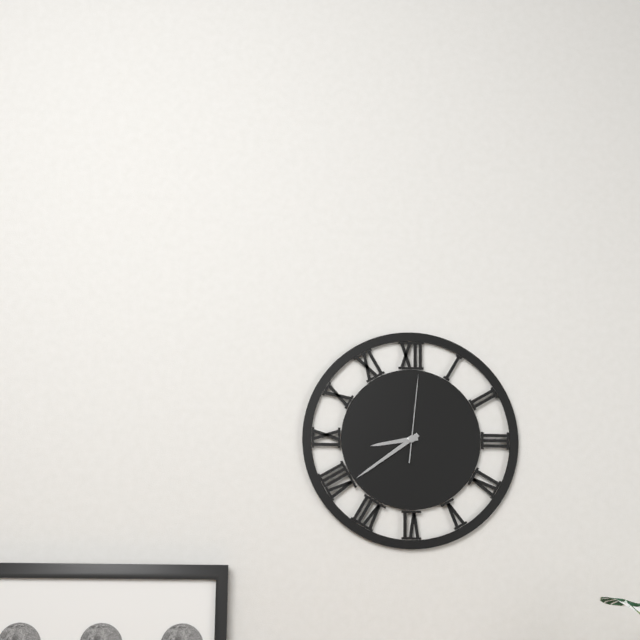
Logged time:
8h39m01s
